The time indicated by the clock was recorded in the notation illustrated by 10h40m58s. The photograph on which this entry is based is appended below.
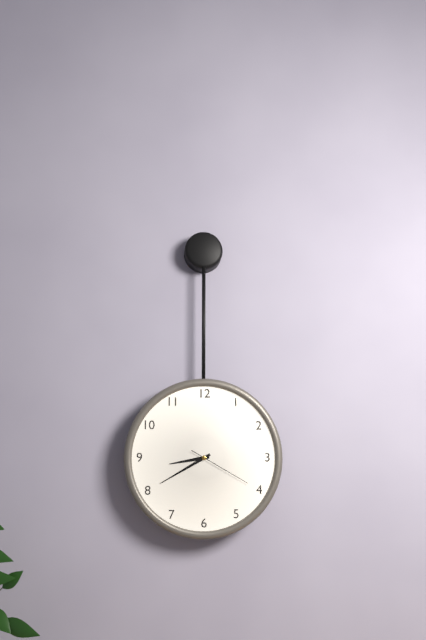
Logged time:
8h40m20s
